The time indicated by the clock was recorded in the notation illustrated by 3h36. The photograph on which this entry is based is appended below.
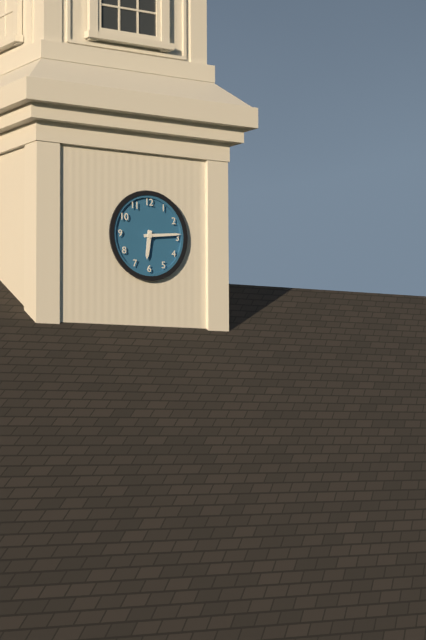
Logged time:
6h14
